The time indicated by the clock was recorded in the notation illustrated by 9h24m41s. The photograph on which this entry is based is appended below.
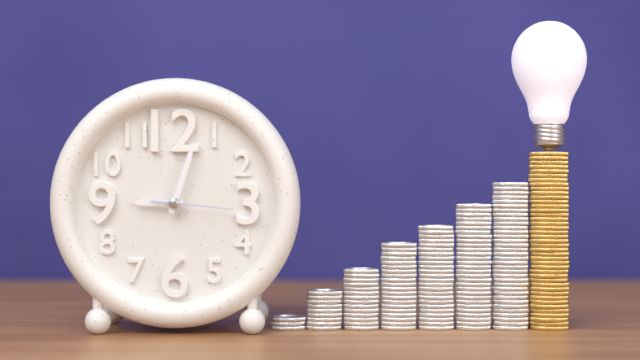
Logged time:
9h03m16s
